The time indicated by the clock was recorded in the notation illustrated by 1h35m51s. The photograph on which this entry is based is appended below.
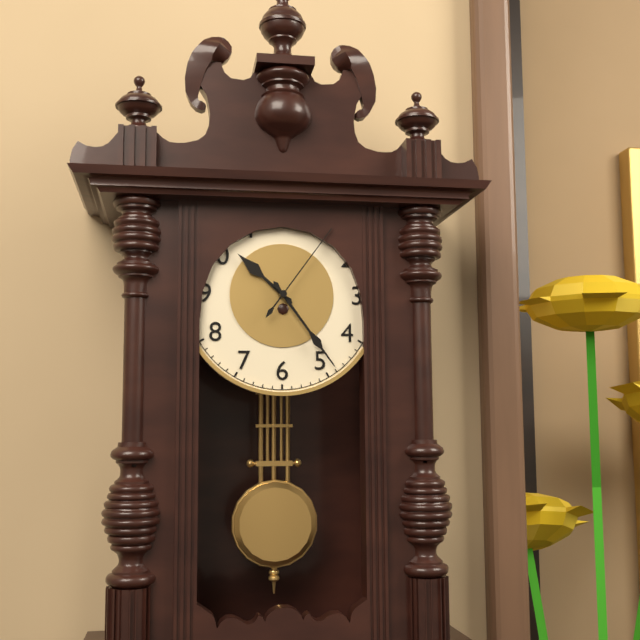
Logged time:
10h24m06s
